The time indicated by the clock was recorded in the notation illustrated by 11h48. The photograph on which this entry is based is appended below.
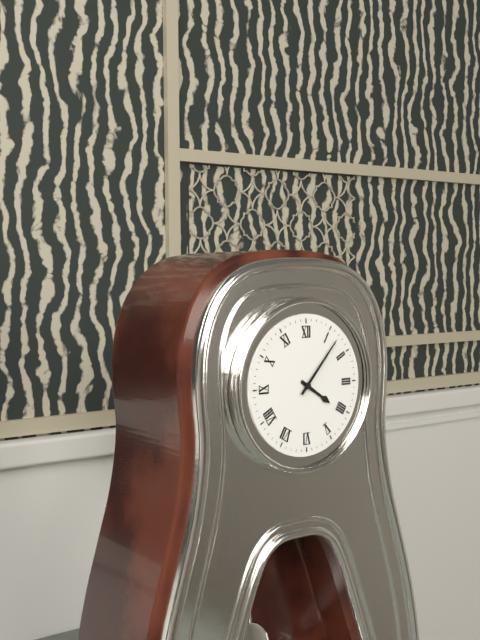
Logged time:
4h07
